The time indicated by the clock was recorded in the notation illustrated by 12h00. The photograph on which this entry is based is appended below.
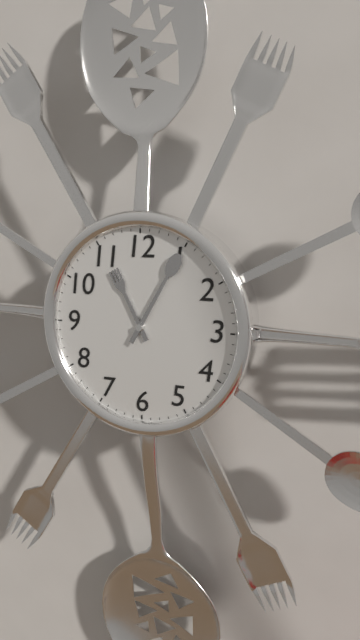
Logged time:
11h05
